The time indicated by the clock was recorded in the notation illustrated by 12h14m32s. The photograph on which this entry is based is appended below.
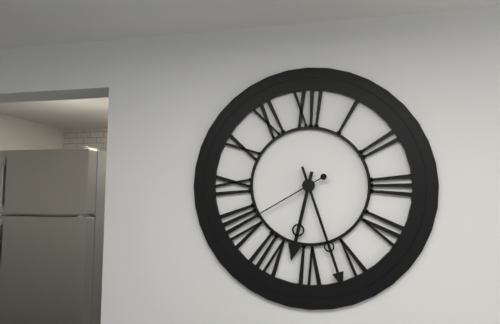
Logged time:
6h27m40s
